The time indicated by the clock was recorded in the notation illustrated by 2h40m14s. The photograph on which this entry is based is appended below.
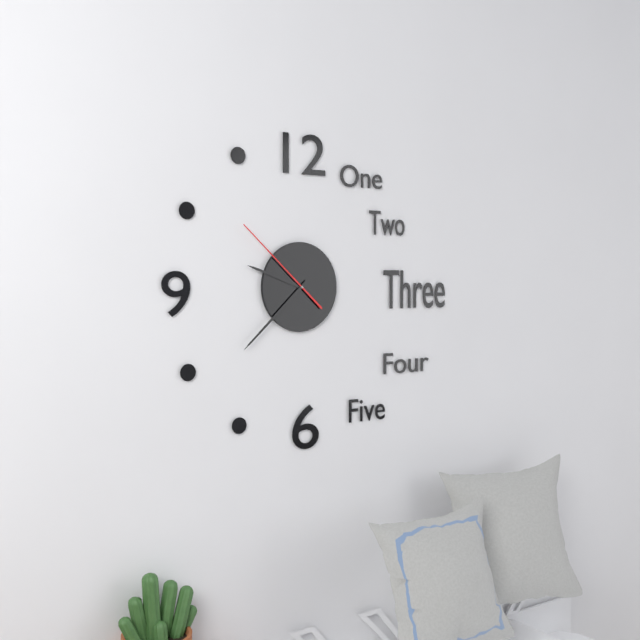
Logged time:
9h38m52s
